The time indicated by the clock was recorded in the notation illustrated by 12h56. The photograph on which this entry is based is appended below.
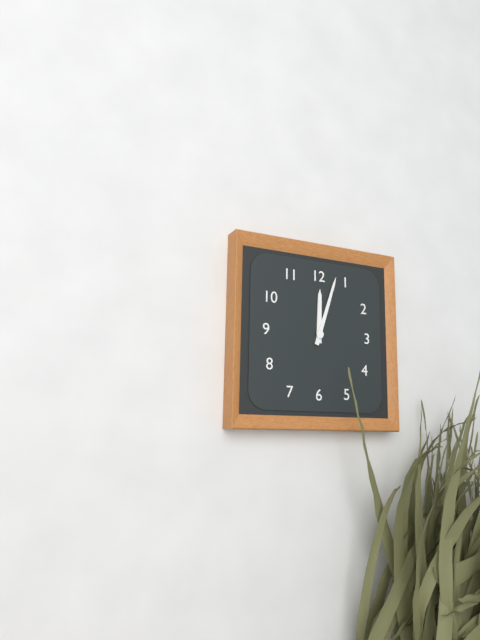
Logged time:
12h03
